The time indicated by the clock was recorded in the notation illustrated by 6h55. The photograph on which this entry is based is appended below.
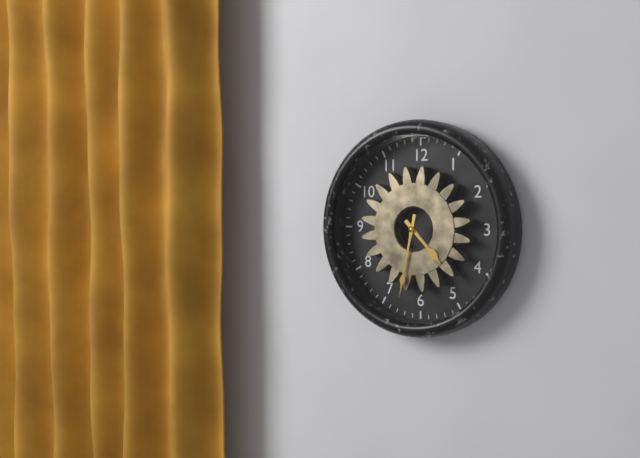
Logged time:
4h32
